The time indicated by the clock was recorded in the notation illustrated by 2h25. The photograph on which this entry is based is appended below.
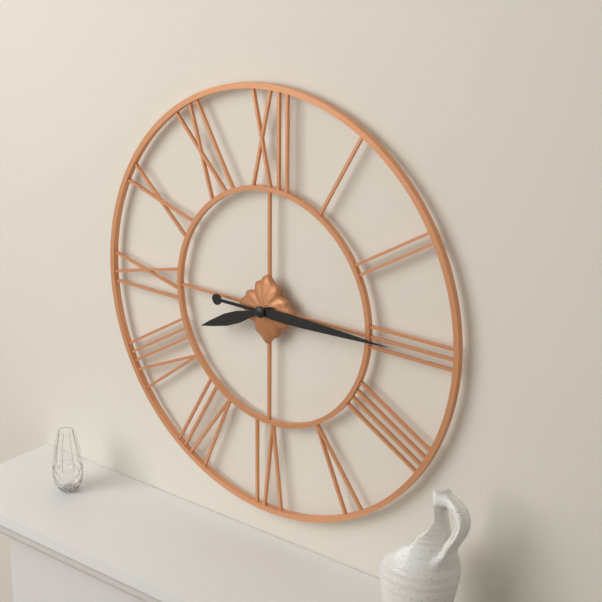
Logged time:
8h15
